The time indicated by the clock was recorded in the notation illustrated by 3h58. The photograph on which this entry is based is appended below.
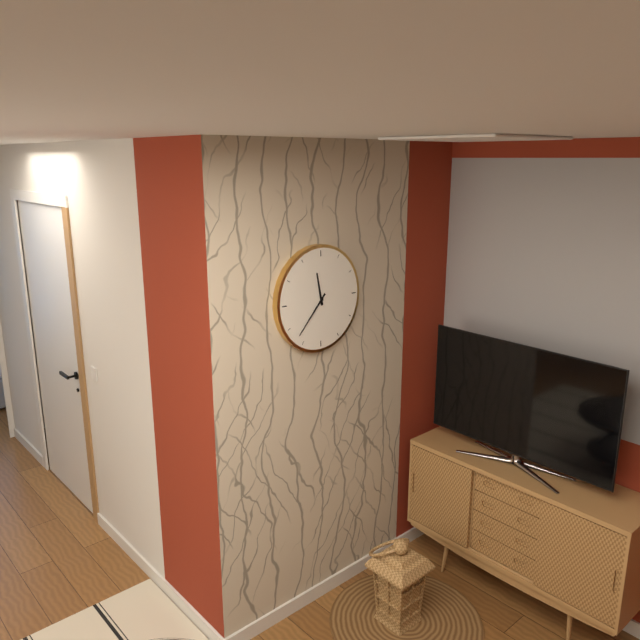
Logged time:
11h37
